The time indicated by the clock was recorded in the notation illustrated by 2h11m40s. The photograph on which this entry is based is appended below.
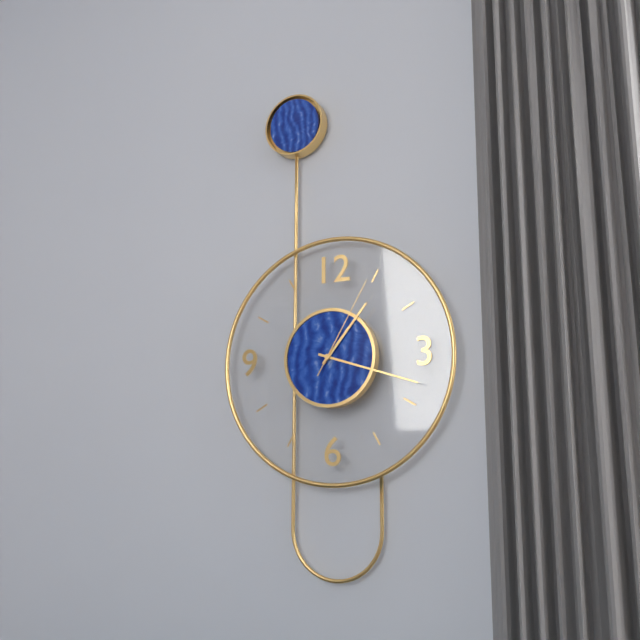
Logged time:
1h18m05s
